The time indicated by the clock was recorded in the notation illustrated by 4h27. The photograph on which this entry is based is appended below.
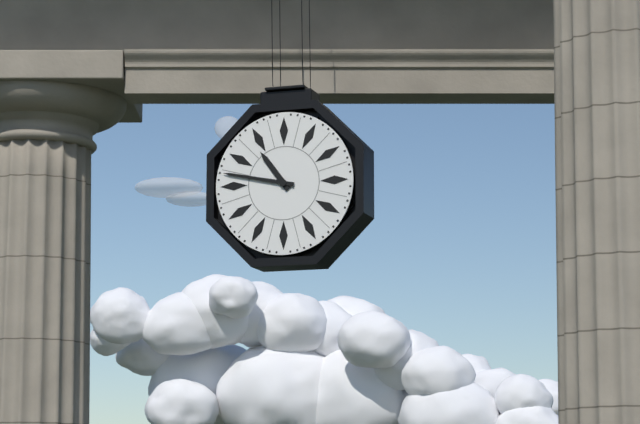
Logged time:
10h47
